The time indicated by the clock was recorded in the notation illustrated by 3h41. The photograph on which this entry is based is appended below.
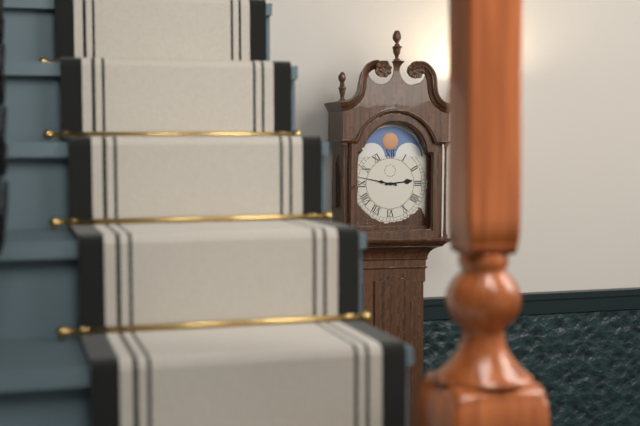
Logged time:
2h47
